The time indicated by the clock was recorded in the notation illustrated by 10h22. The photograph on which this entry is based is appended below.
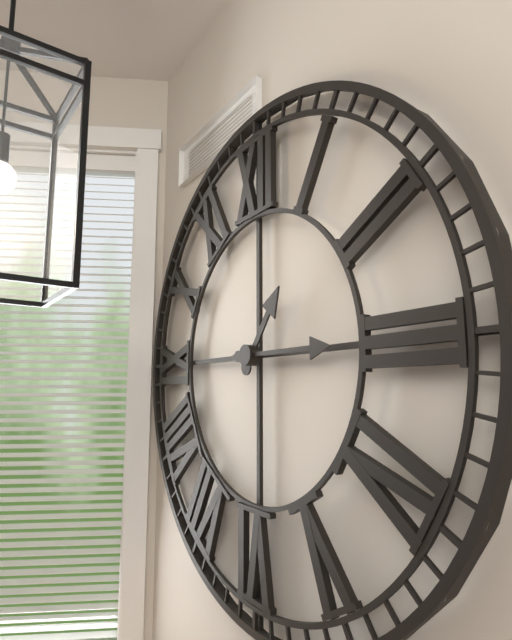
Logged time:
1h15
